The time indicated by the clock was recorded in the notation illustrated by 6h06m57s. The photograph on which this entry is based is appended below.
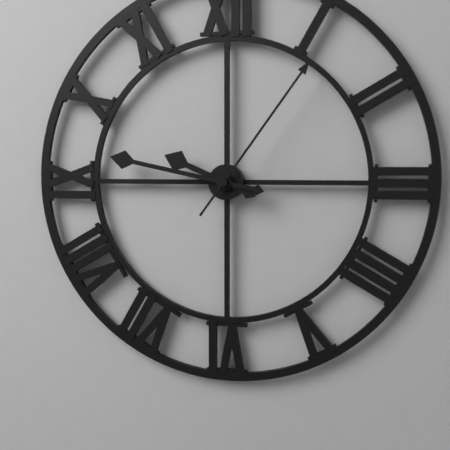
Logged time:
9h47m06s
